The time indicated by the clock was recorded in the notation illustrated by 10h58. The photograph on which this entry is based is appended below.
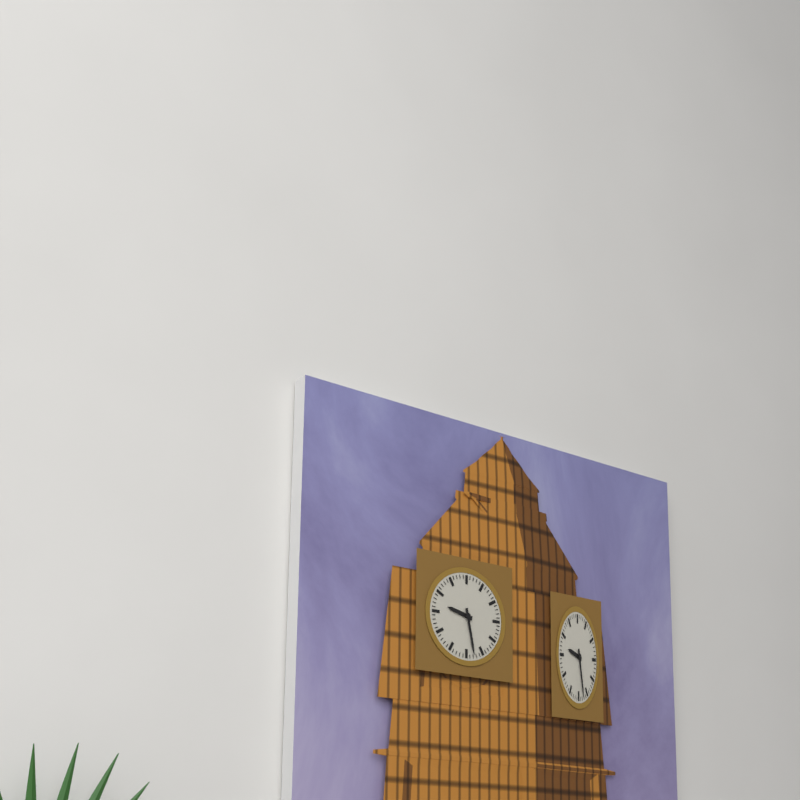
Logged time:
9h28
